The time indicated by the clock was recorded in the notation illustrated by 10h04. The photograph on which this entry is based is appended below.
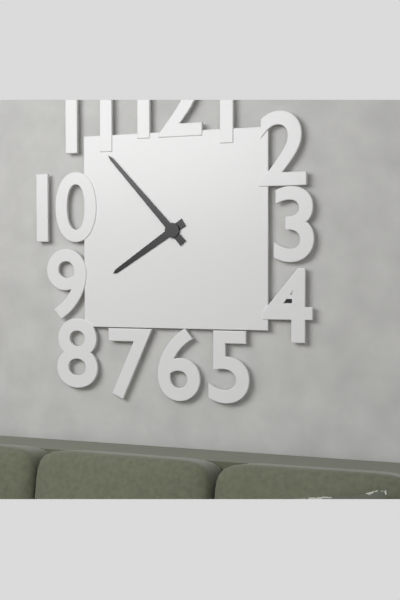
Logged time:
7h53
